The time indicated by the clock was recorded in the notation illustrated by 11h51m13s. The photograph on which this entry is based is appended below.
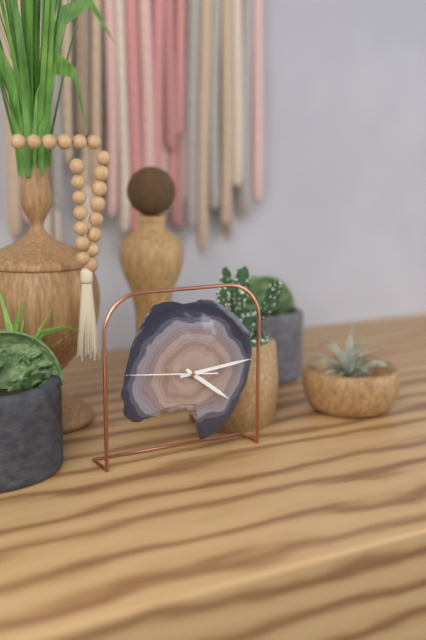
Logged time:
4h14m46s
